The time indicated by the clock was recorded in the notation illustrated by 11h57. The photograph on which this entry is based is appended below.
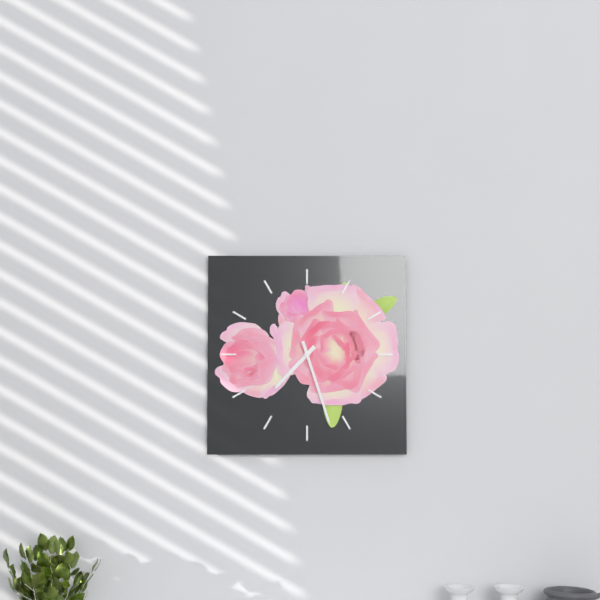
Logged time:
7h27
